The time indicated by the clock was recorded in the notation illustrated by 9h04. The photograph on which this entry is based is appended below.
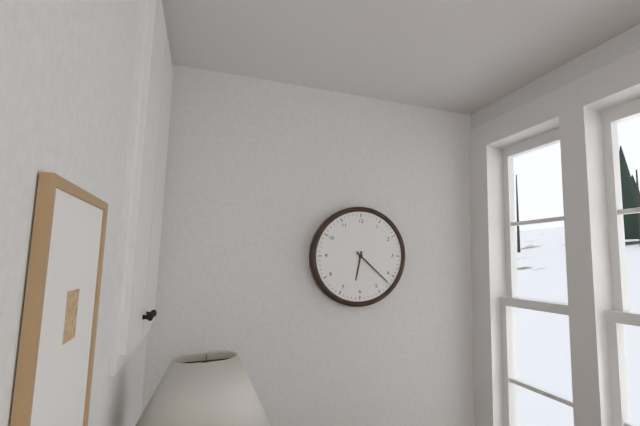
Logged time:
6h22
